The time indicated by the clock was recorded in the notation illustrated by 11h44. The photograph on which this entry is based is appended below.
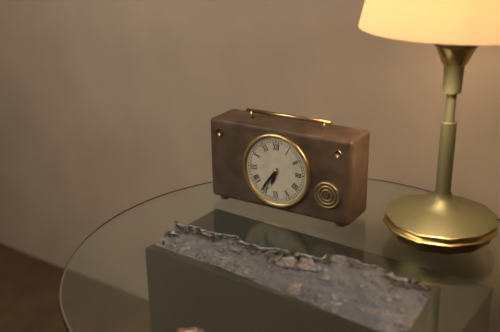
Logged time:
6h36
